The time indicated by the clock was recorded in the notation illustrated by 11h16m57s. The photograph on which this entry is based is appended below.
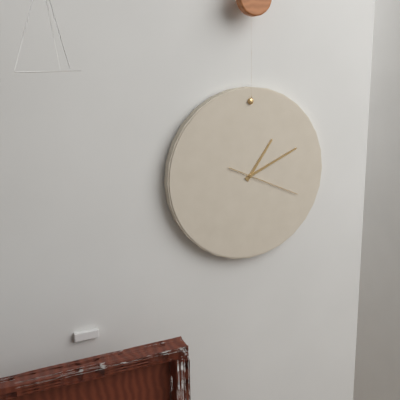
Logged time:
1h11m19s
